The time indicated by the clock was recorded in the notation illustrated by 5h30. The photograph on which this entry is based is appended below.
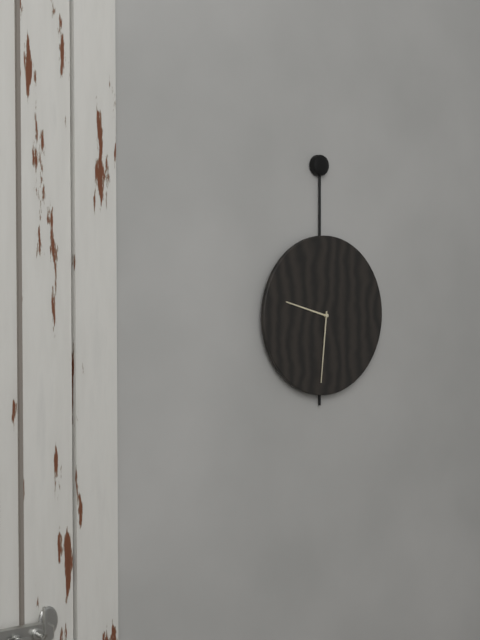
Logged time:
9h31
